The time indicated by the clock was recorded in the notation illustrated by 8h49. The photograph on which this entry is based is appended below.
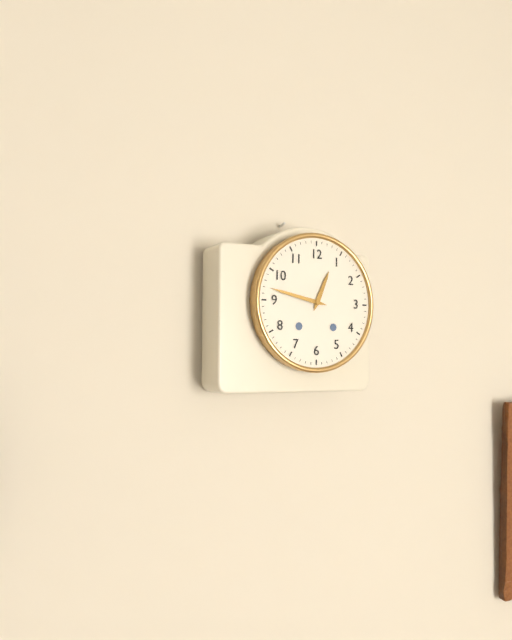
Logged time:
12h47
